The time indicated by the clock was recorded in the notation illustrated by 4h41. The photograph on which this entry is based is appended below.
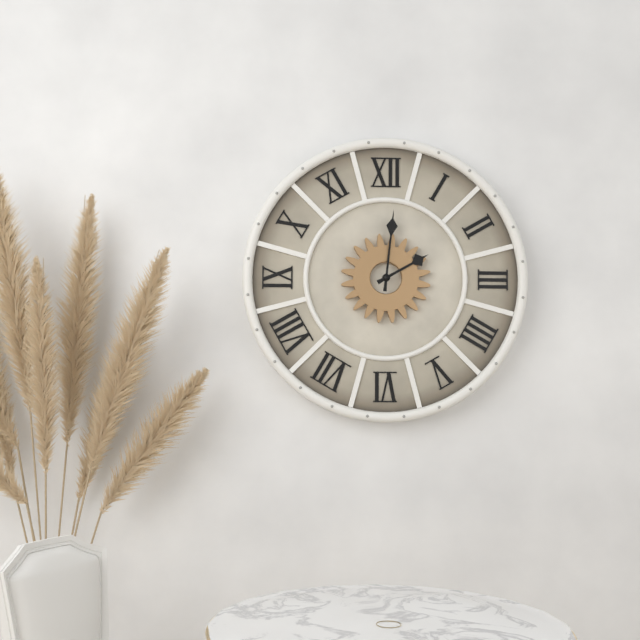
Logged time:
2h01
